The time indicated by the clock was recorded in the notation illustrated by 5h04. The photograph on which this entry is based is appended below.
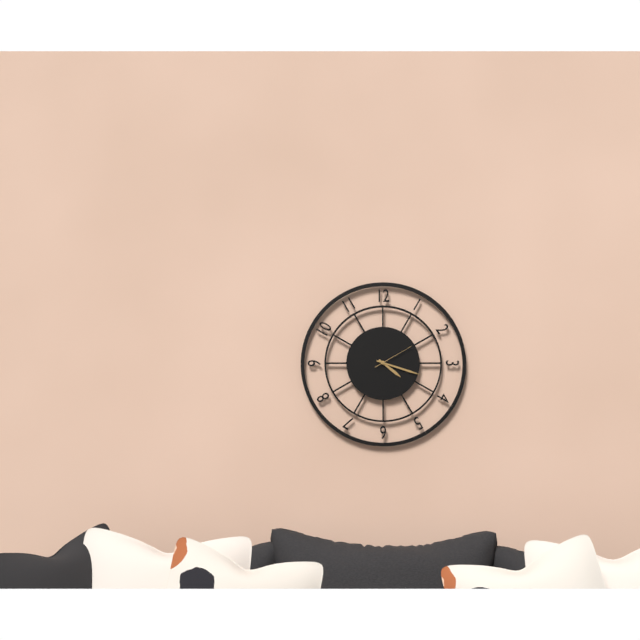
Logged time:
4h18
